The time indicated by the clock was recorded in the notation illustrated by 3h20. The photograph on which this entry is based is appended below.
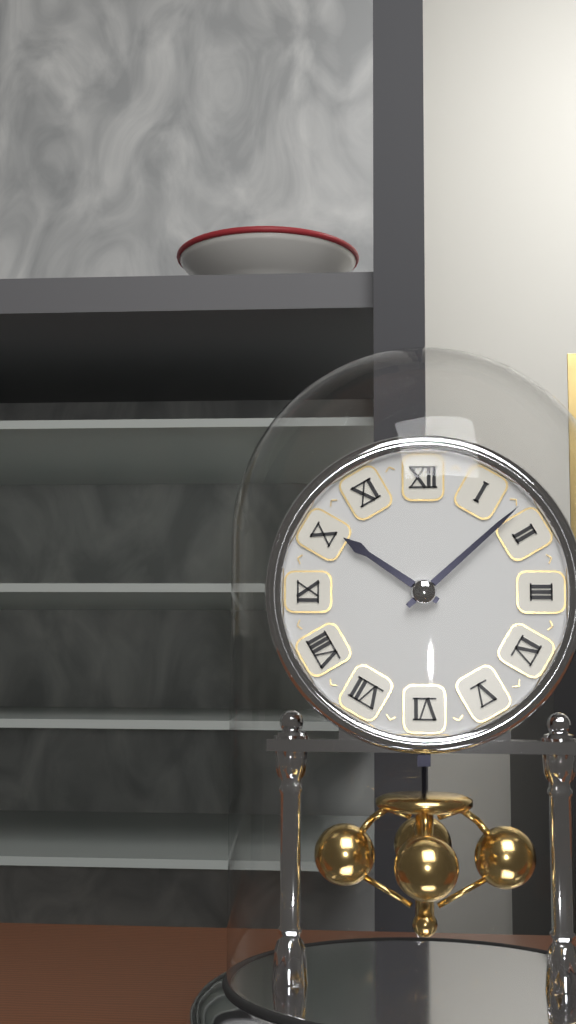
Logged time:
10h08
